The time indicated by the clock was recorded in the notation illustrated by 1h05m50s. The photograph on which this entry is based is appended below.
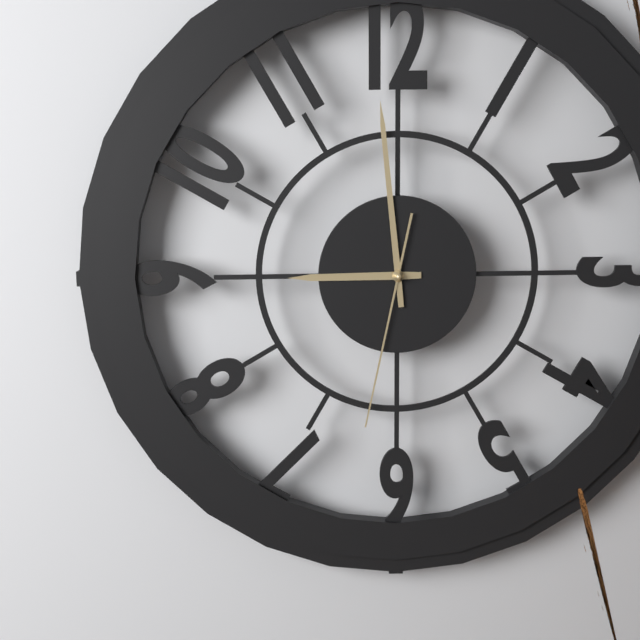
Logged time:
8h59m32s
